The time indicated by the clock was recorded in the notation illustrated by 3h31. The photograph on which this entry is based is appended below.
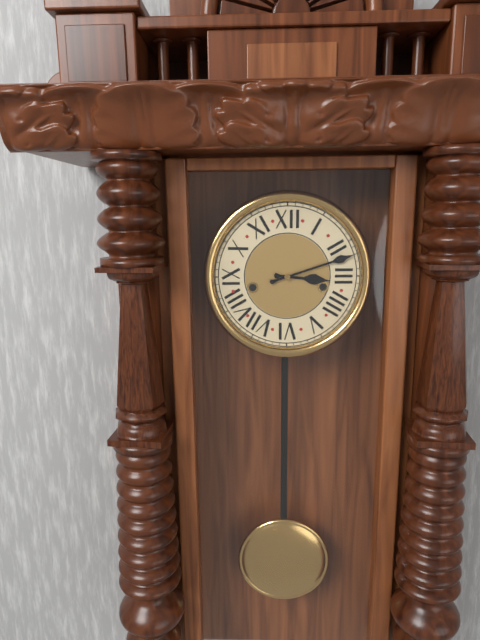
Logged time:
3h12
